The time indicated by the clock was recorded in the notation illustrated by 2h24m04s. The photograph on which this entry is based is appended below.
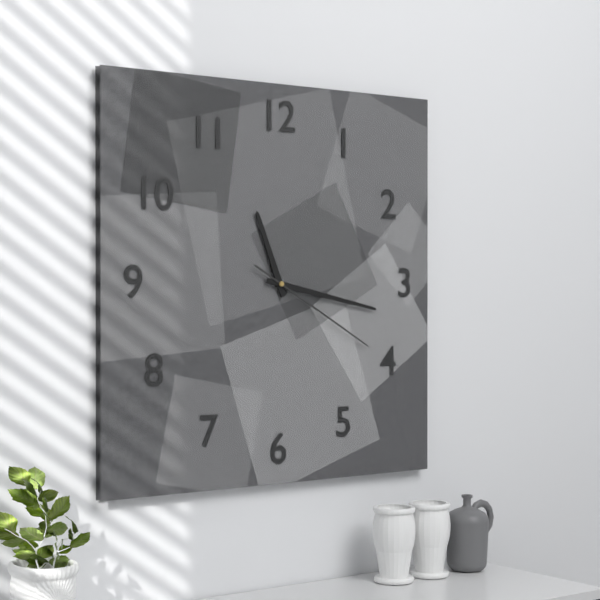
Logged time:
11h17m20s
